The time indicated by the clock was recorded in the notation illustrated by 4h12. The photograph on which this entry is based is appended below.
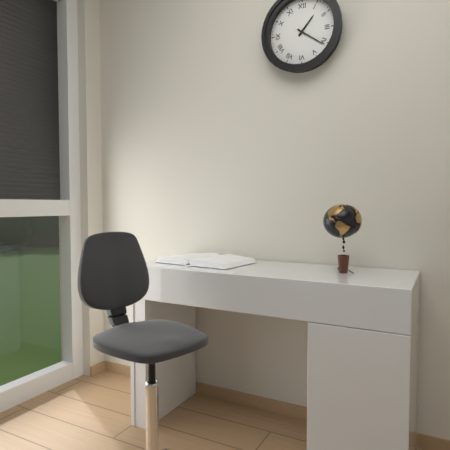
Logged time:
1h21
